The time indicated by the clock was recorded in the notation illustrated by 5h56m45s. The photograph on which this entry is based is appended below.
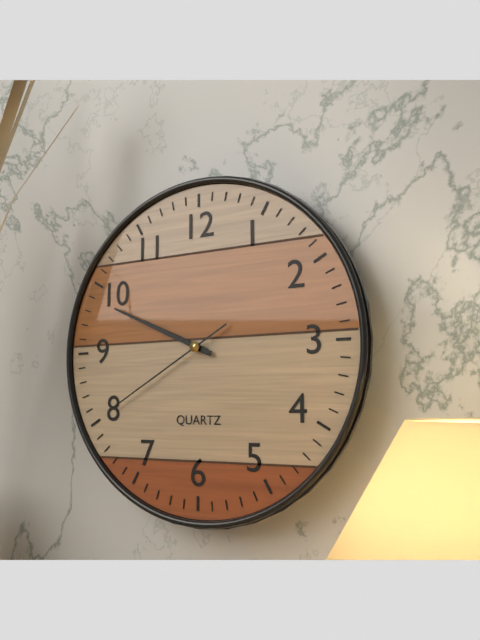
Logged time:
9h49m40s
